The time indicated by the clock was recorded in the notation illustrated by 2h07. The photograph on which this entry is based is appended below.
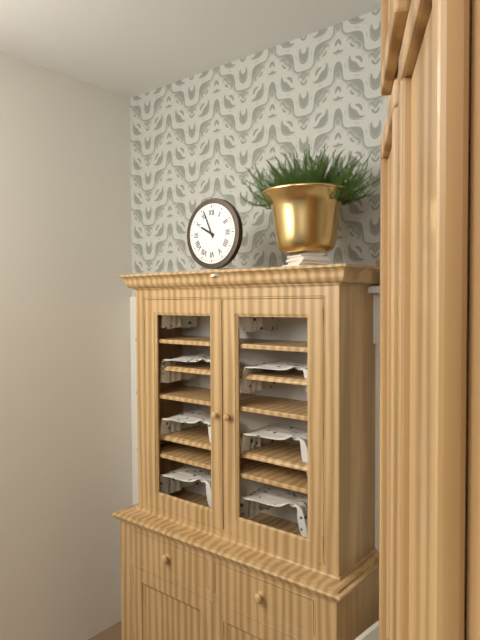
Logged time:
9h56
